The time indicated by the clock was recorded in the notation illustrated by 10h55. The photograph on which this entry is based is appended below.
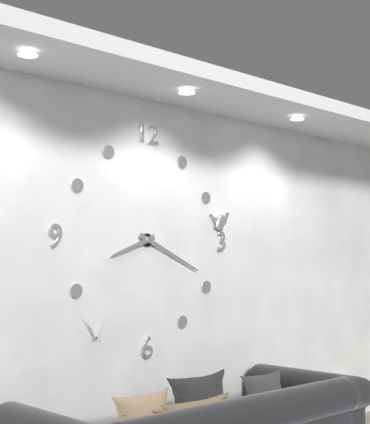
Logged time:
8h19
